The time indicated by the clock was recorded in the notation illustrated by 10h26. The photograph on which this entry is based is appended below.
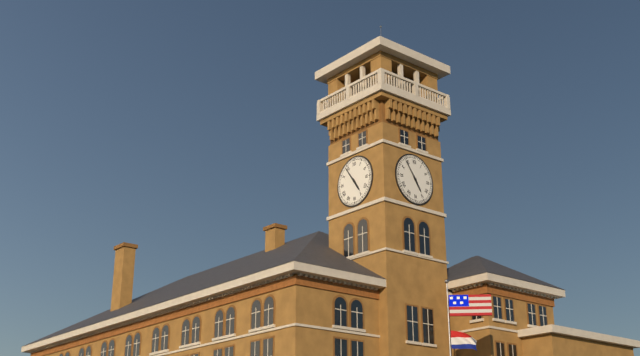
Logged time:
4h54
